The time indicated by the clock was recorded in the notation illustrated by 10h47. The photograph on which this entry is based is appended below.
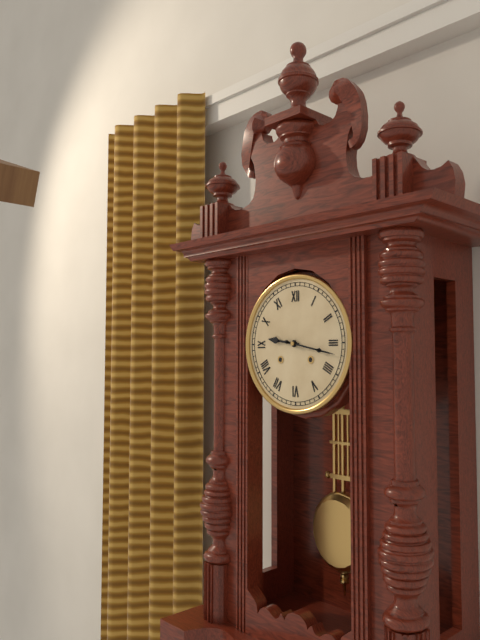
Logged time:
9h17
